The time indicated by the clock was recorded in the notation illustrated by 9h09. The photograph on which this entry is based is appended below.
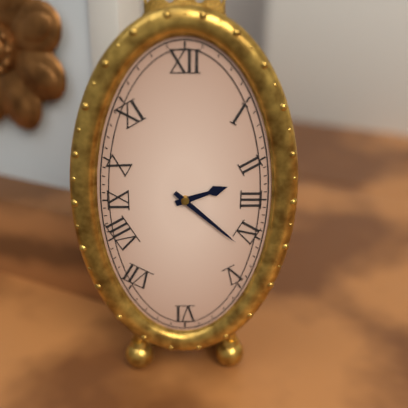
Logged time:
2h22
